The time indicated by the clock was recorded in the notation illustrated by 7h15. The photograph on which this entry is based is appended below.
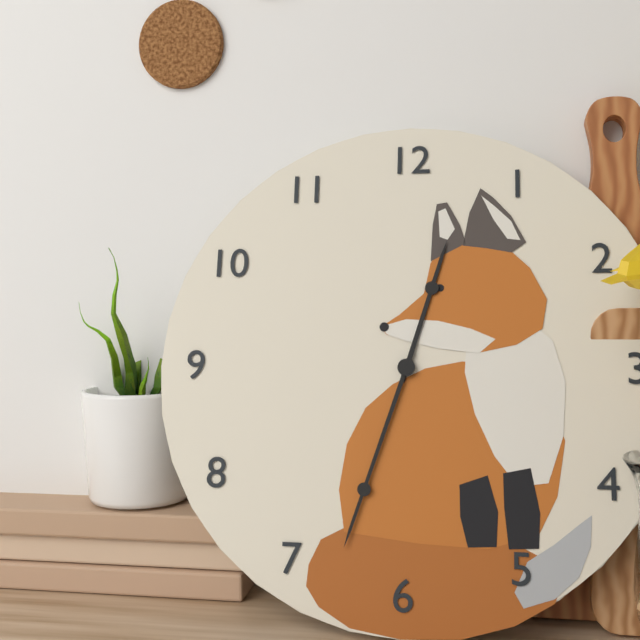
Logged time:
12h33
